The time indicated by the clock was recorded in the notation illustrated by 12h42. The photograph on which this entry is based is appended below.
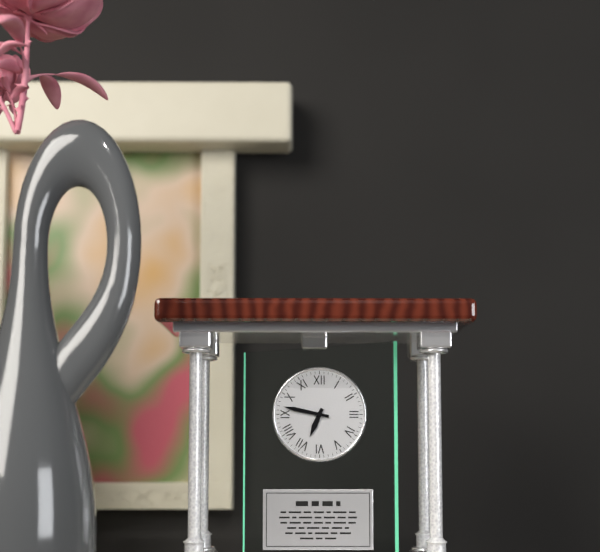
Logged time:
6h47
